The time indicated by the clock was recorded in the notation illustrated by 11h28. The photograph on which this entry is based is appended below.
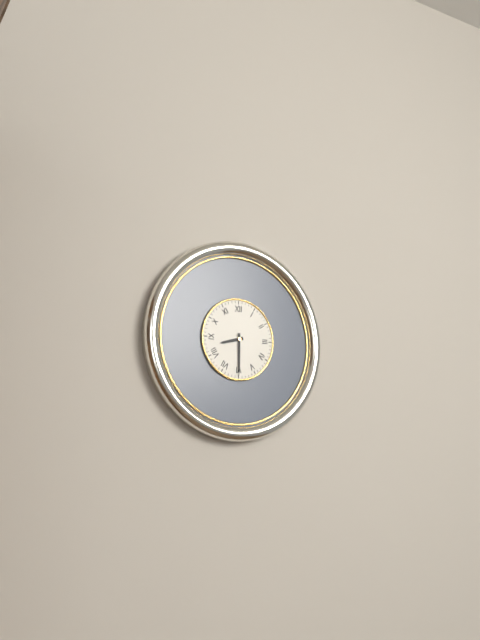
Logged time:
8h30
